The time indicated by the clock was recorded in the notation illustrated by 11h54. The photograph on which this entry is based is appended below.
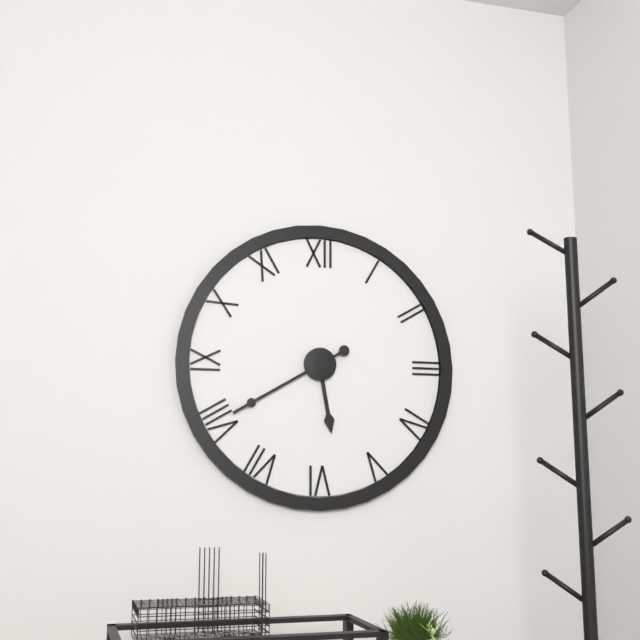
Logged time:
5h40
